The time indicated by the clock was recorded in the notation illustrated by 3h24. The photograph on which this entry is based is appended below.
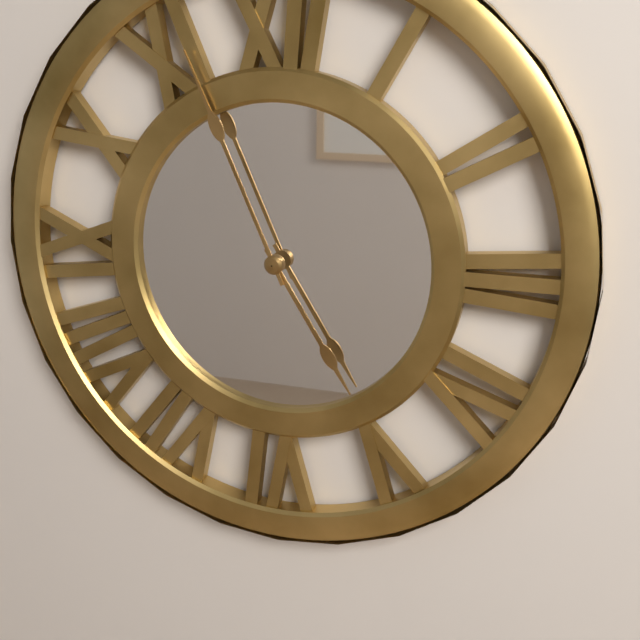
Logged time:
4h56
